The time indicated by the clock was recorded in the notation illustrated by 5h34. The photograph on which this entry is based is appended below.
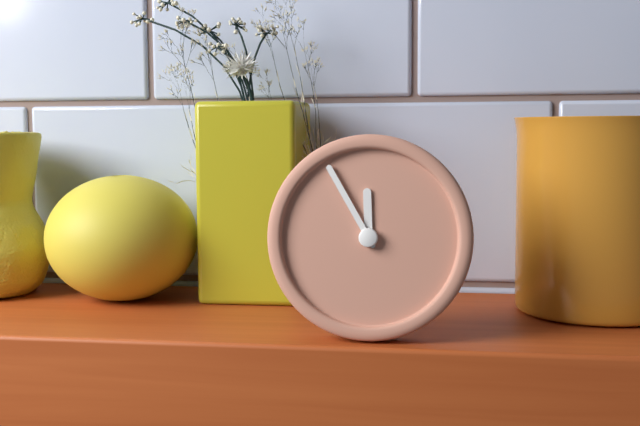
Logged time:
11h55
